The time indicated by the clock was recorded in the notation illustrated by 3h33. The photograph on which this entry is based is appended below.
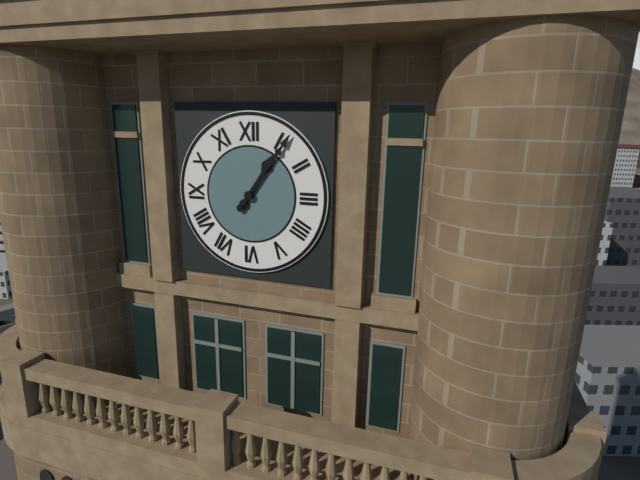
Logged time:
1h06
